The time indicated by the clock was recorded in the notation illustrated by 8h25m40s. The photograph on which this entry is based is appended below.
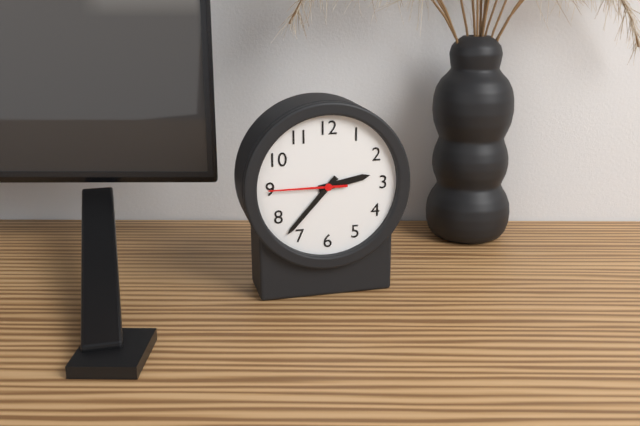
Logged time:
2h37m45s
